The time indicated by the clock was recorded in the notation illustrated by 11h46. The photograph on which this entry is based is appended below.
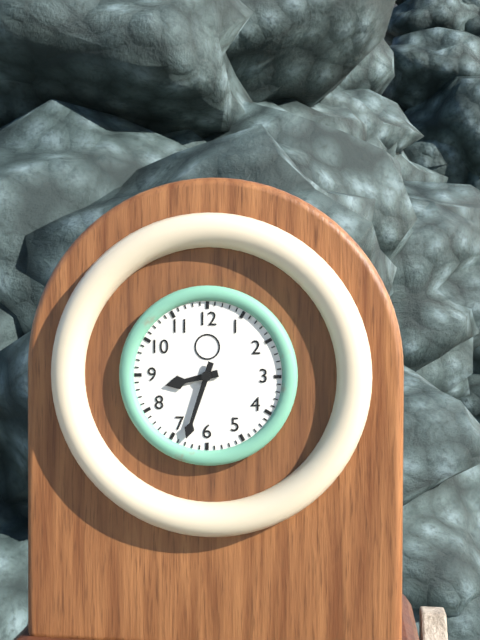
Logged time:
8h33
